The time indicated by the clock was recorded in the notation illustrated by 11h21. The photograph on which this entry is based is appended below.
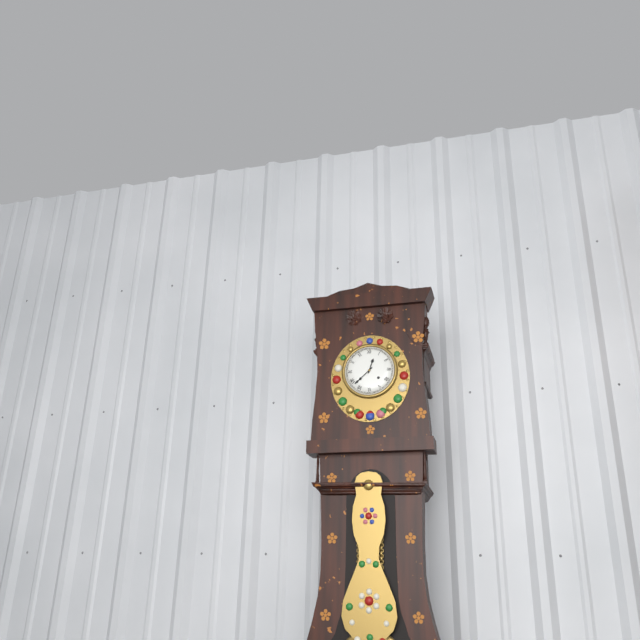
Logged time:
12h38
